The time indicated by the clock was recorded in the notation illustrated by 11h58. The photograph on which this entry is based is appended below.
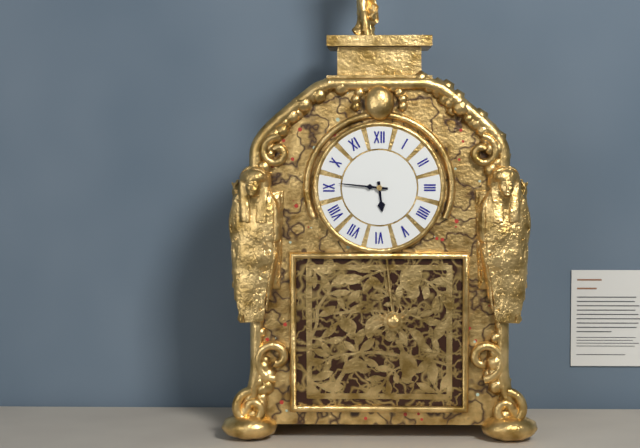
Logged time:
5h46
